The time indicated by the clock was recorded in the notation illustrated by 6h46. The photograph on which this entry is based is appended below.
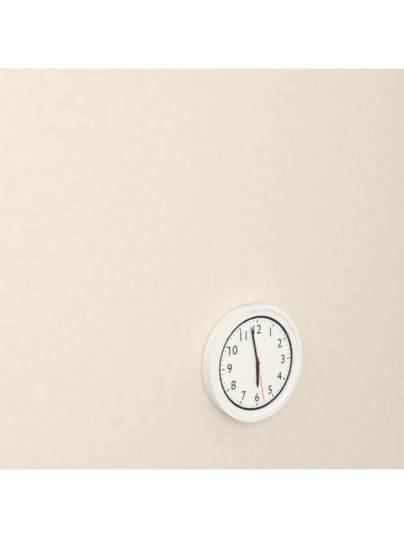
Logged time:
5h58
